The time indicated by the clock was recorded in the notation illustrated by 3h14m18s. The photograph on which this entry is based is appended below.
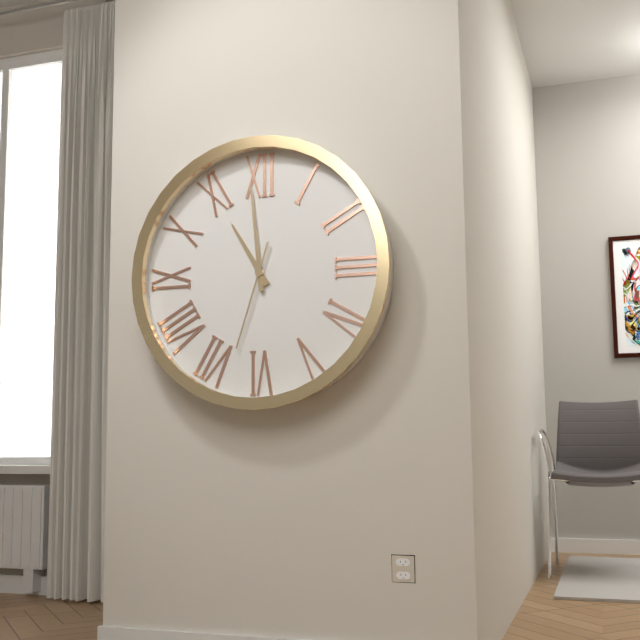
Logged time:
10h59m33s
